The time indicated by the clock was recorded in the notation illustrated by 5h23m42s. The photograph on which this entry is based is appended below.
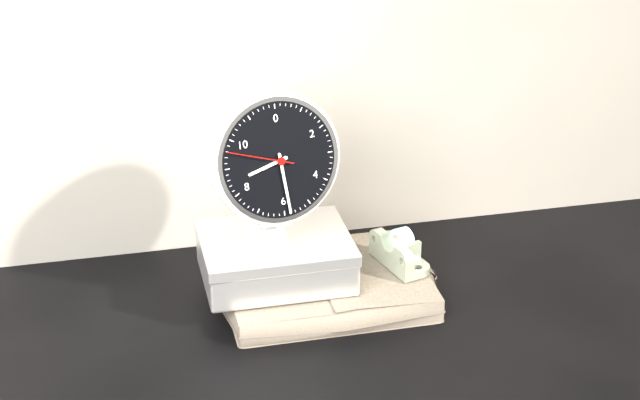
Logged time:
8h29m48s
